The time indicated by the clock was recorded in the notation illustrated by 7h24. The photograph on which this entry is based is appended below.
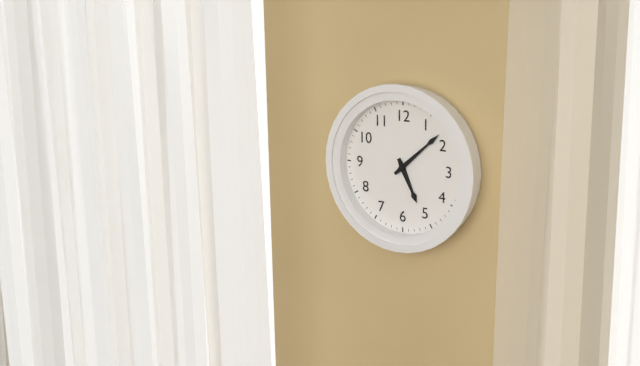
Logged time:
5h08
